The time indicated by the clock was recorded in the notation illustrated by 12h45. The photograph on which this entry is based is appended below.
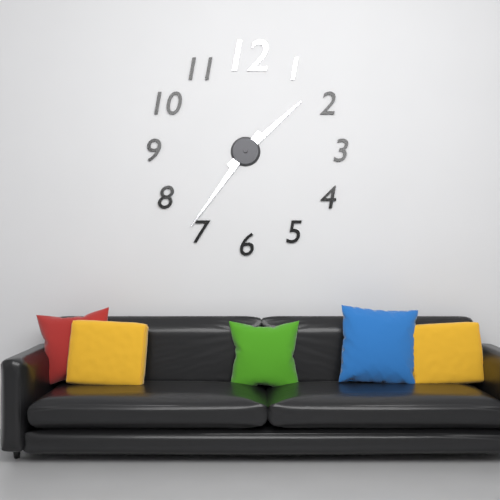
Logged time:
1h36
